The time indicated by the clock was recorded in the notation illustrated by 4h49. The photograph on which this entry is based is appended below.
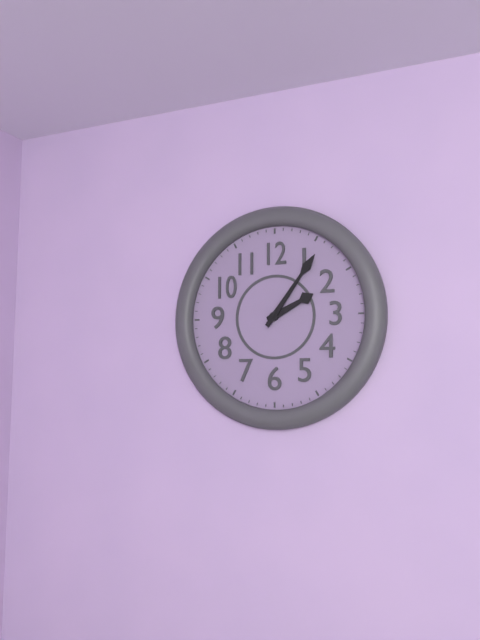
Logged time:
2h06
